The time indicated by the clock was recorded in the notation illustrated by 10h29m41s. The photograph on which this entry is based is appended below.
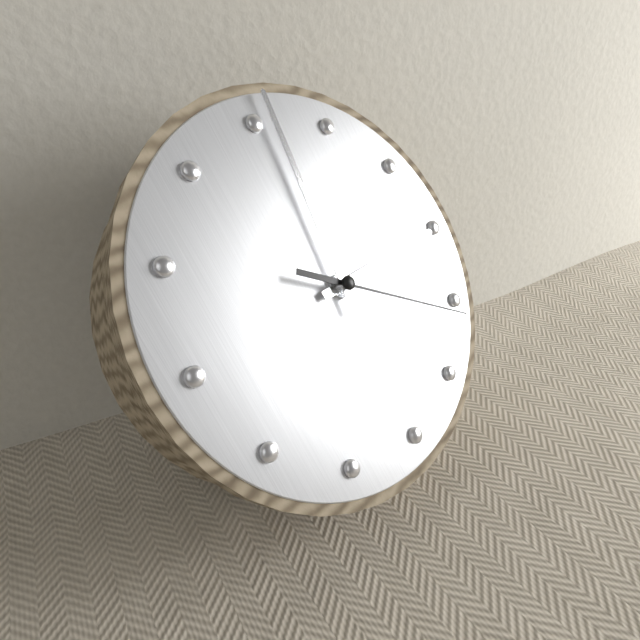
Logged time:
3h01m21s
